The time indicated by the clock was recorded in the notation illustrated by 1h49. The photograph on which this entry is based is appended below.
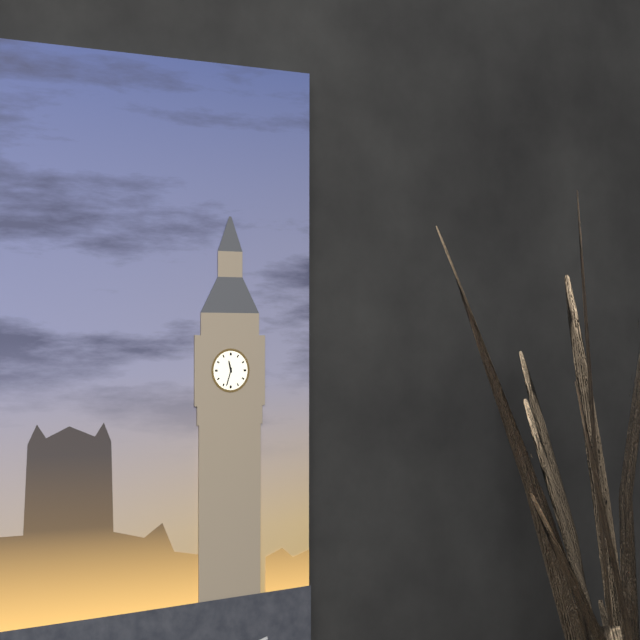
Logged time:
11h33
